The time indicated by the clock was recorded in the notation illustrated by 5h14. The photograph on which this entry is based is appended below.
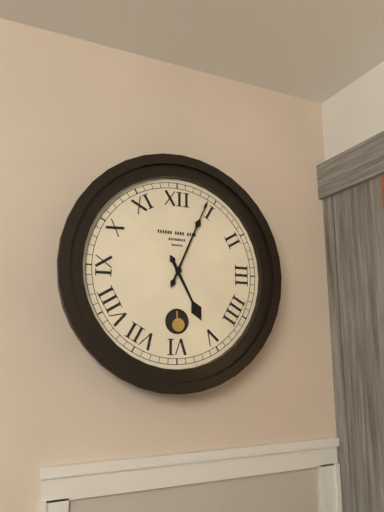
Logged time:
5h04
